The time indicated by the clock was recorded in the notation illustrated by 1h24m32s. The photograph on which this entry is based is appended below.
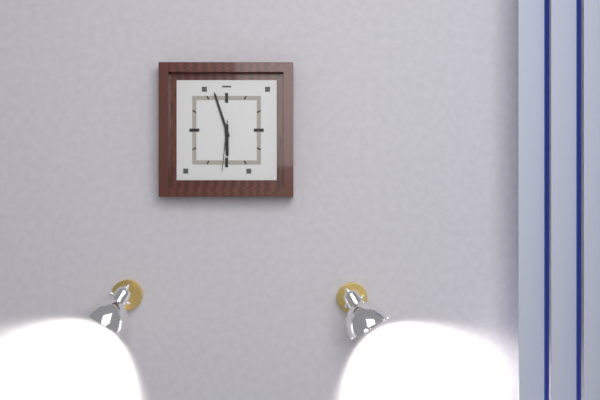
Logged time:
5h57m31s
